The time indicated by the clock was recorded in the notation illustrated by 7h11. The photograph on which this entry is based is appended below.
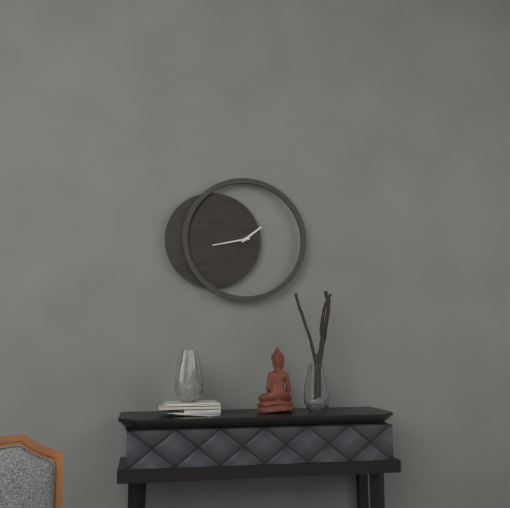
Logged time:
1h43
